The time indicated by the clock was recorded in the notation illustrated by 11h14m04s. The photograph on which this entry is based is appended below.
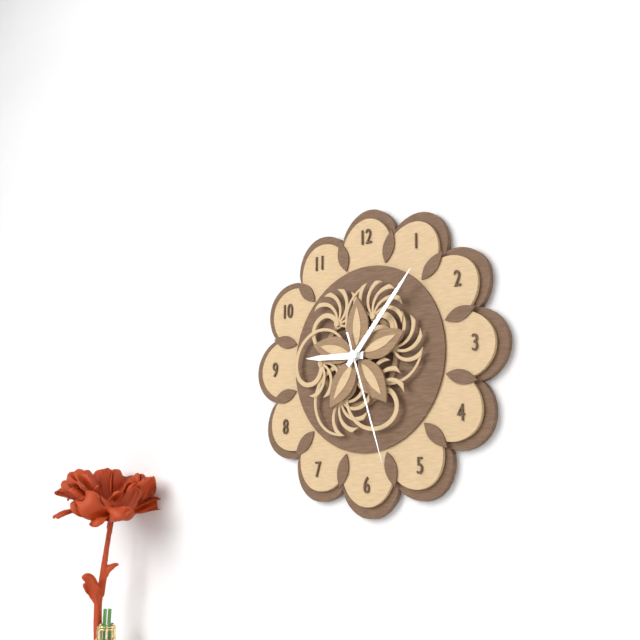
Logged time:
9h07m27s
